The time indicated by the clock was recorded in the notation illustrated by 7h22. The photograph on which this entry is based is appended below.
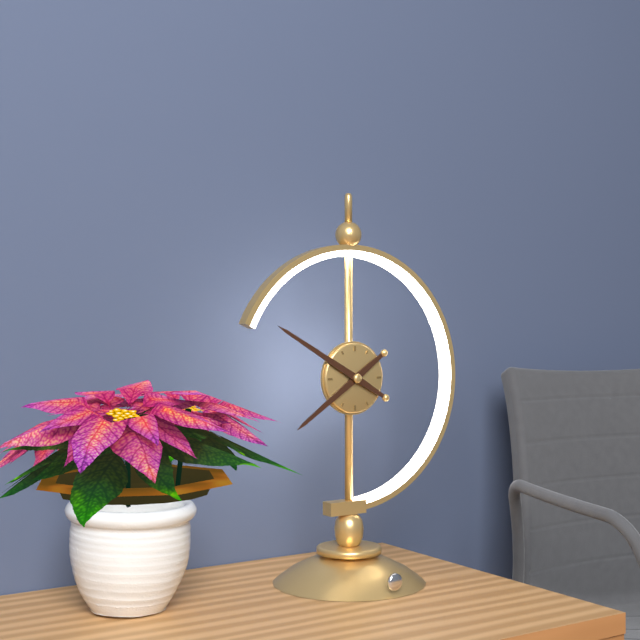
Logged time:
7h50
